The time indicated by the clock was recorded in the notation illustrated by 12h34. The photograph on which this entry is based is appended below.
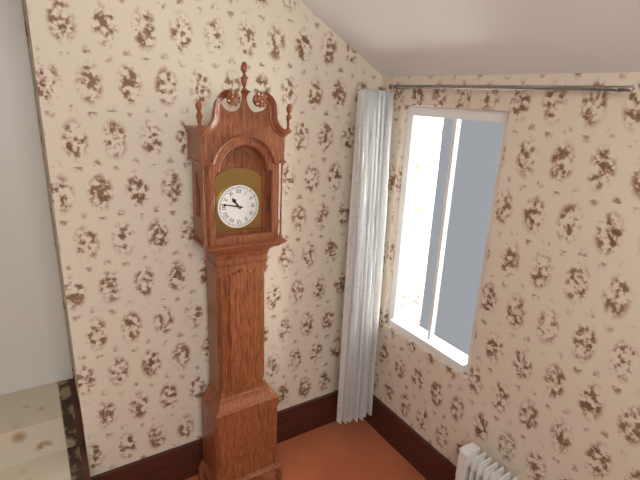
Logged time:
10h47
